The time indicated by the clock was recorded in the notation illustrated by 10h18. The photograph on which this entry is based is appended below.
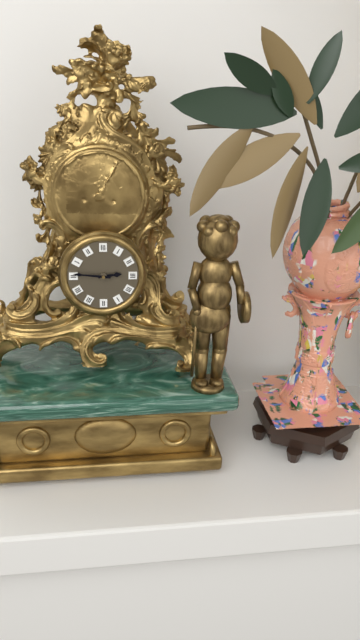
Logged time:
2h46
